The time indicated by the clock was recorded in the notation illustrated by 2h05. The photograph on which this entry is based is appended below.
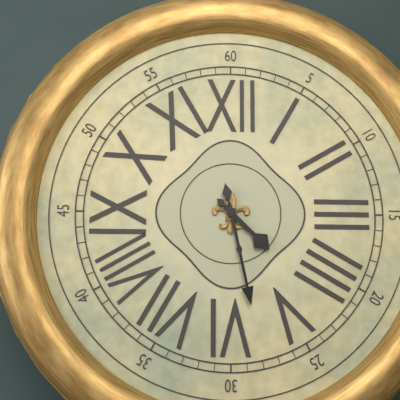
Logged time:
4h28
